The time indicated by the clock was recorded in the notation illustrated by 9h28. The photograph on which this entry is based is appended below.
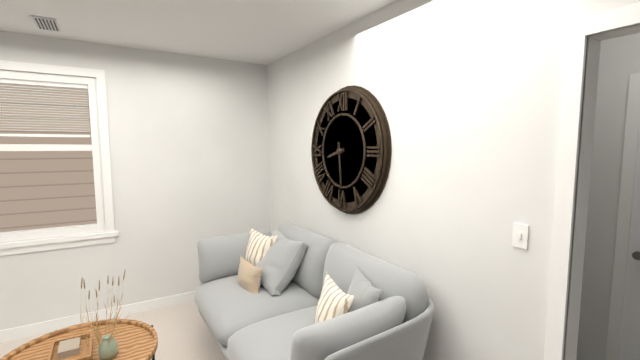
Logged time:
8h29
